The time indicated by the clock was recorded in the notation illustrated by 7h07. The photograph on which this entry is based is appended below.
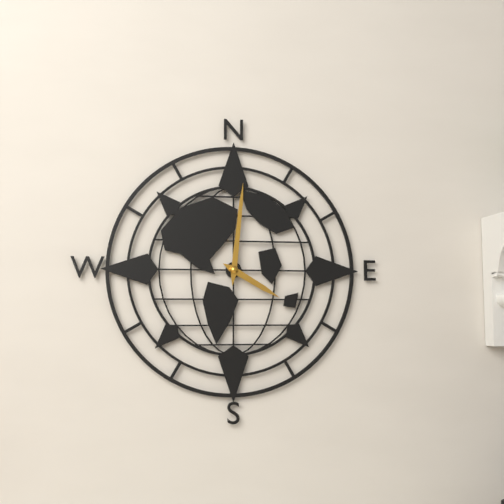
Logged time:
4h01
